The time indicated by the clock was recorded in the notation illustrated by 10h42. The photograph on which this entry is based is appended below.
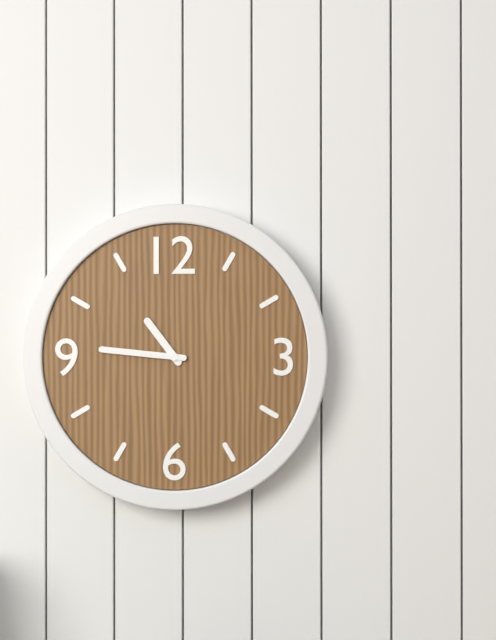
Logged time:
10h46
